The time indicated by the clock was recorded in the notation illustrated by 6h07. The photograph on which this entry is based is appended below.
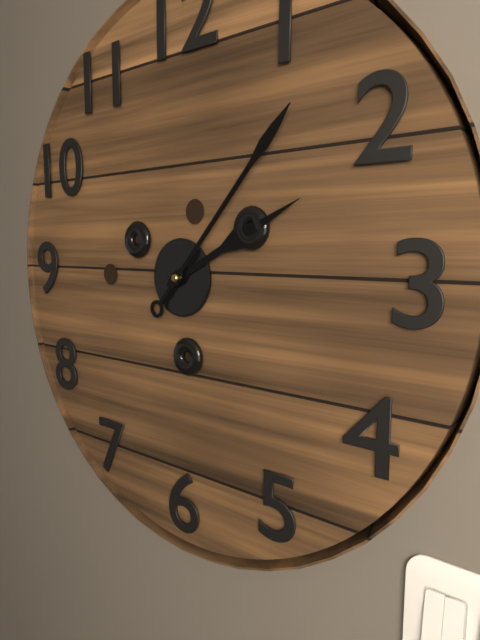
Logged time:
2h07
